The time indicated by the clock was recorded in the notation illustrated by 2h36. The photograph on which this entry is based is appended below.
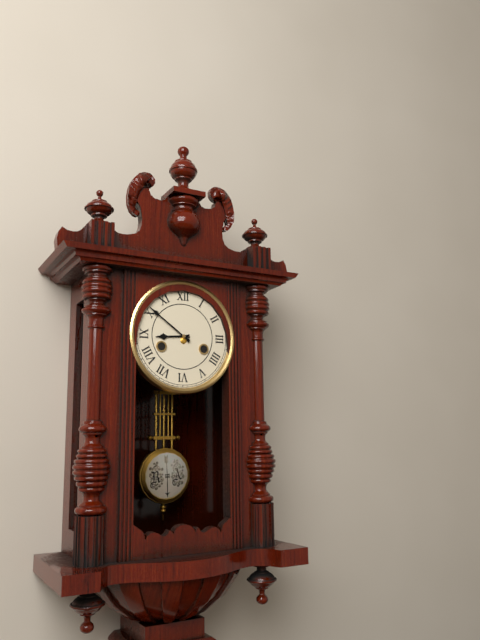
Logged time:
8h51
